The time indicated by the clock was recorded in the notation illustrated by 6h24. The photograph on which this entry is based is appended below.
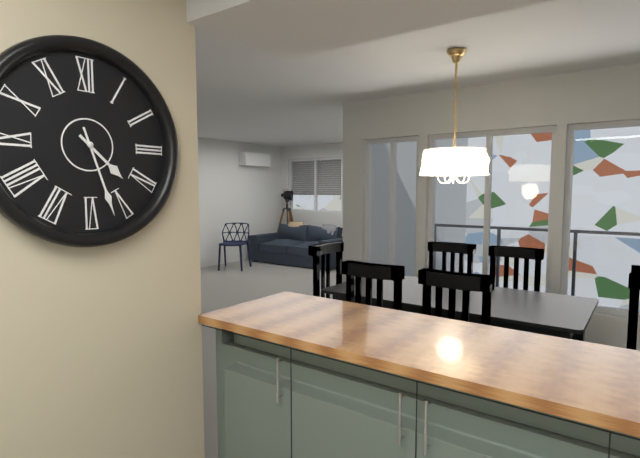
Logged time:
4h27
